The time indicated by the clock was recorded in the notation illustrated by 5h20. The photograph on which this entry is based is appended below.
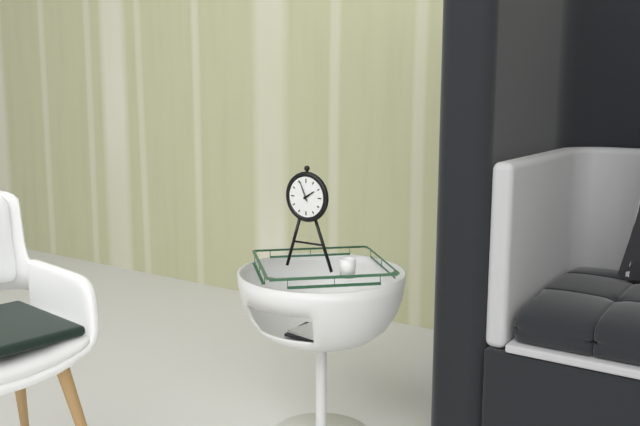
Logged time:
1h56
